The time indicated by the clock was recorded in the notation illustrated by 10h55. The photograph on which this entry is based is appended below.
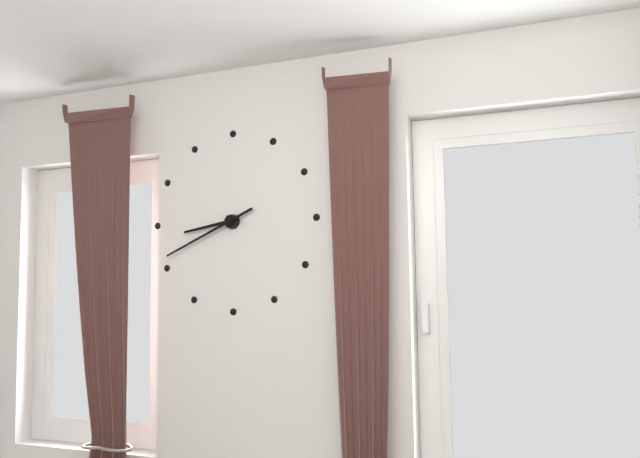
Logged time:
8h41
